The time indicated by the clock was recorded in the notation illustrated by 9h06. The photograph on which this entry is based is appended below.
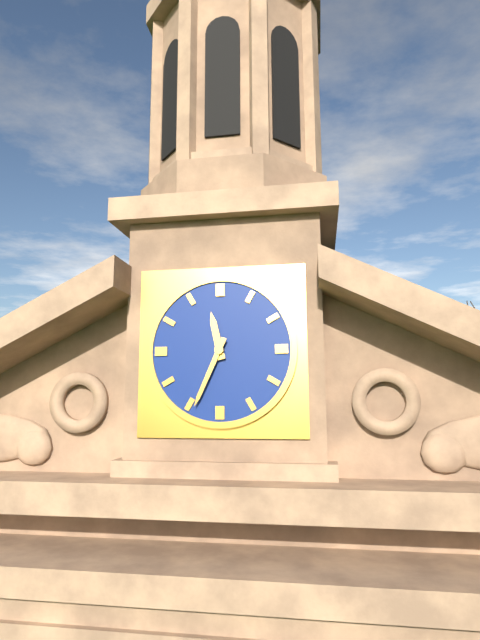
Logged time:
11h34
